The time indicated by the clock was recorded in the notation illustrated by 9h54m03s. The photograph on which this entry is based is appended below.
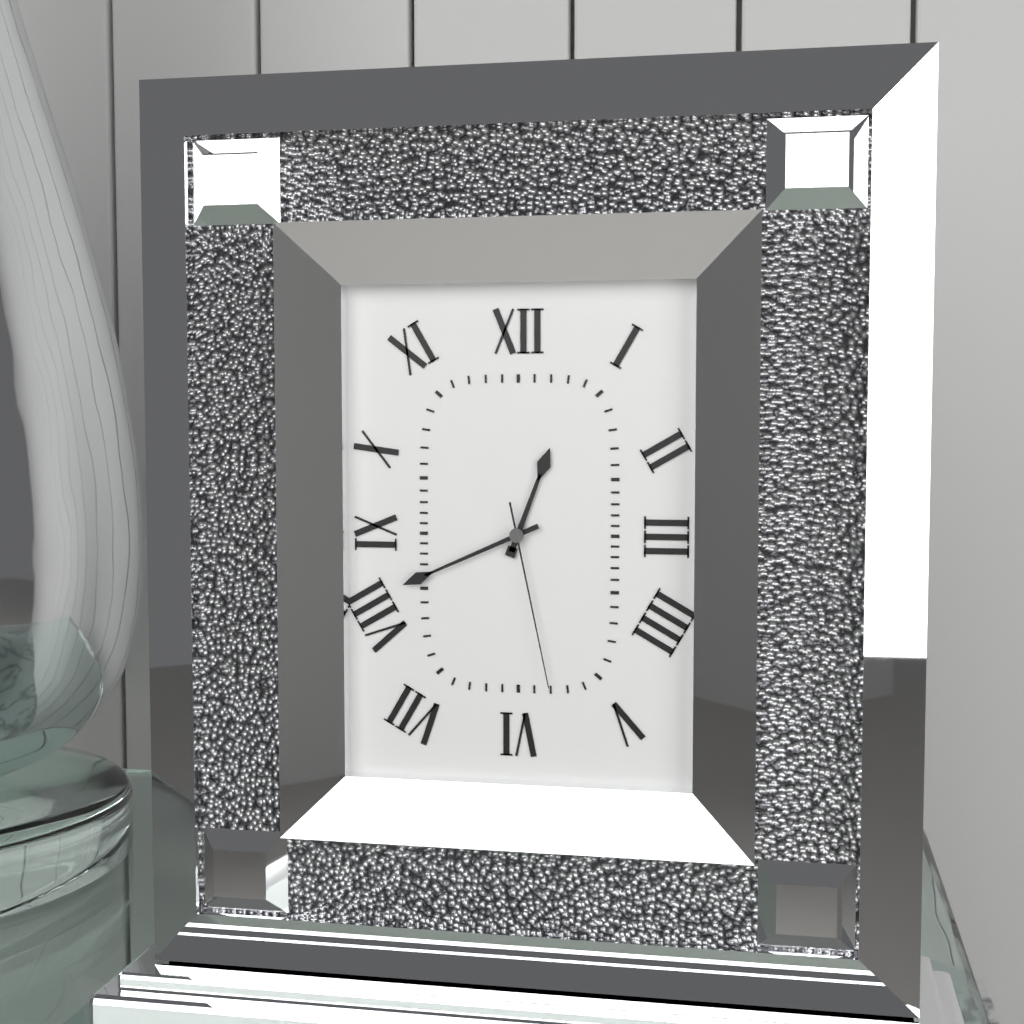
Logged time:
12h41m28s
